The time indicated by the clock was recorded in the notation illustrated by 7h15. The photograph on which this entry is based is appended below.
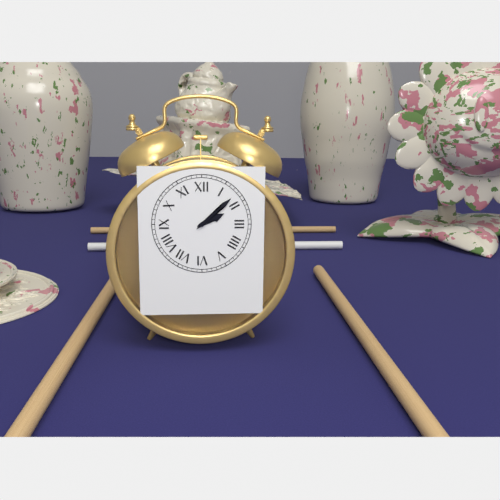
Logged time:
2h08
